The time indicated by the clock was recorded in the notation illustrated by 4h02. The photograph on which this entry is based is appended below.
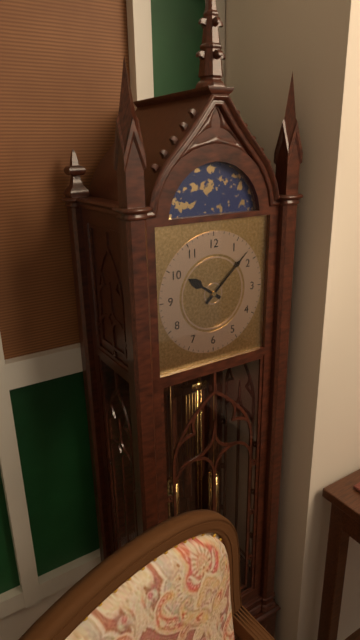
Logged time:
10h08
